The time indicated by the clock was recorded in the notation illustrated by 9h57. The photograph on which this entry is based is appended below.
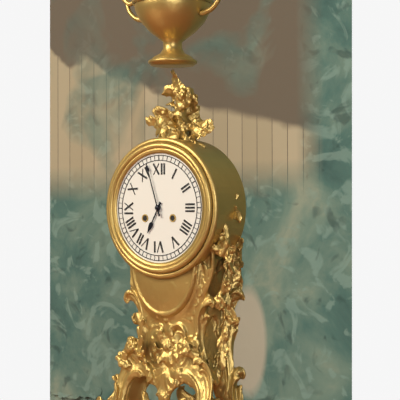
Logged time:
6h57
